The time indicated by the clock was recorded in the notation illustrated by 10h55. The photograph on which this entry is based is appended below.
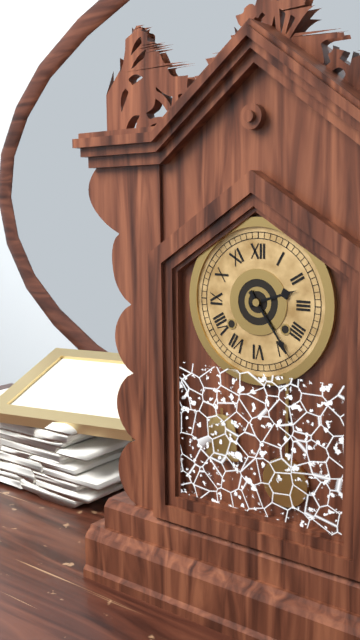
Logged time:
2h24
